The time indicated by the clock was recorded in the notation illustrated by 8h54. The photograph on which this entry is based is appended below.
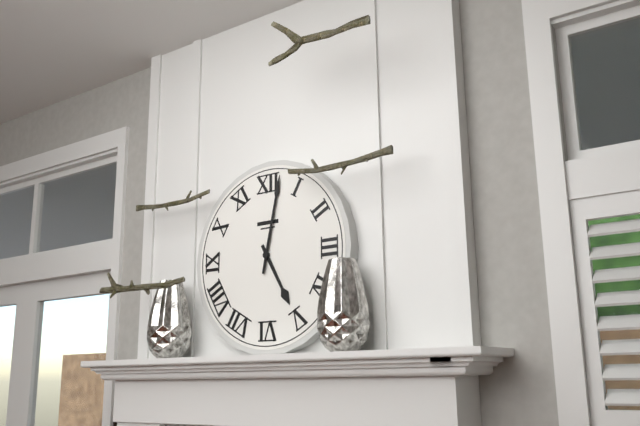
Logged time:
5h02
